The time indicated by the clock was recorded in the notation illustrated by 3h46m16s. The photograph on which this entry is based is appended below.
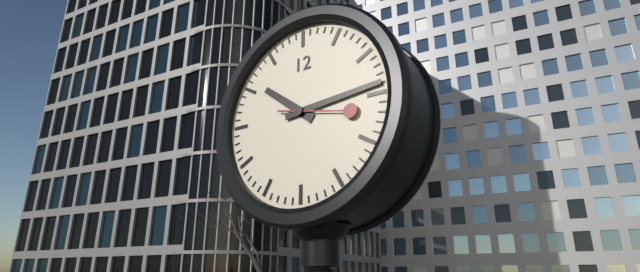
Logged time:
10h14m17s
